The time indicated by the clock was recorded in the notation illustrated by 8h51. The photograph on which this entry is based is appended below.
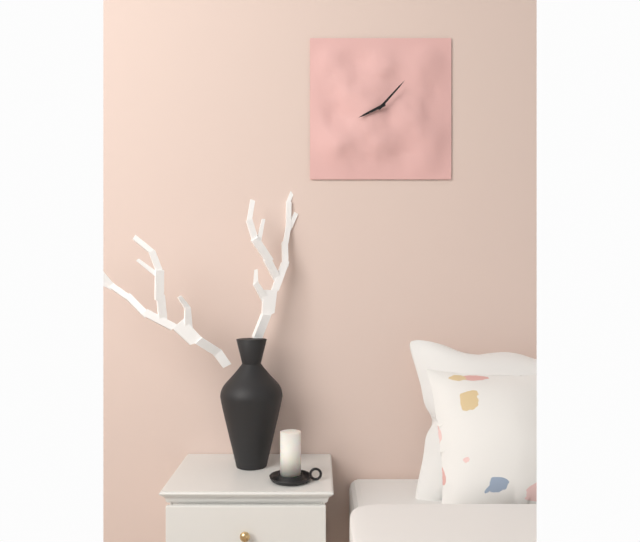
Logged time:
8h07
